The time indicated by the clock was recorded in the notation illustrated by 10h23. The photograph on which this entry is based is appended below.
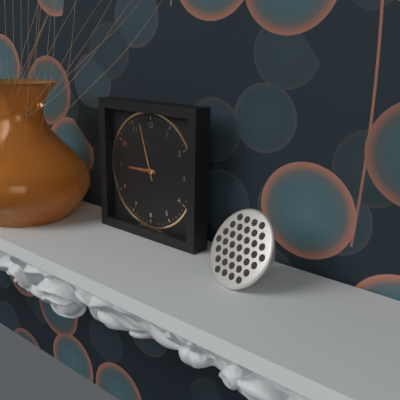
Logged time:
8h57
